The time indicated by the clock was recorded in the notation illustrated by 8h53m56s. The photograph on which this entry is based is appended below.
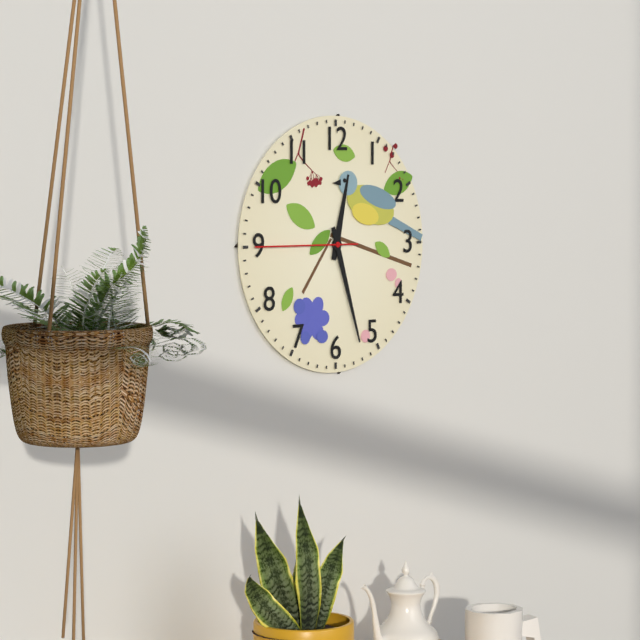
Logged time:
12h27m45s
